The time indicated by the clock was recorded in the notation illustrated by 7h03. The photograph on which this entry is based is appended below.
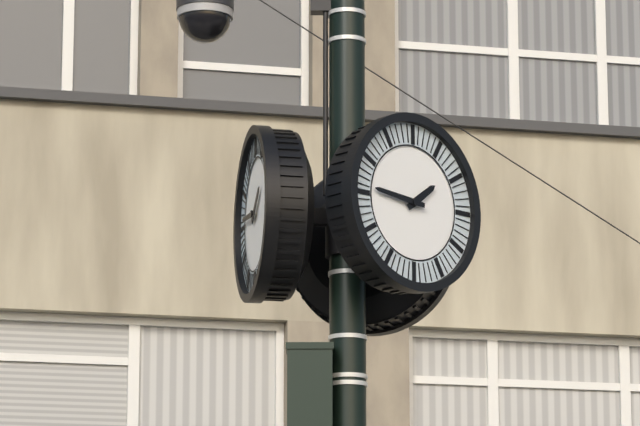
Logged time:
1h46
